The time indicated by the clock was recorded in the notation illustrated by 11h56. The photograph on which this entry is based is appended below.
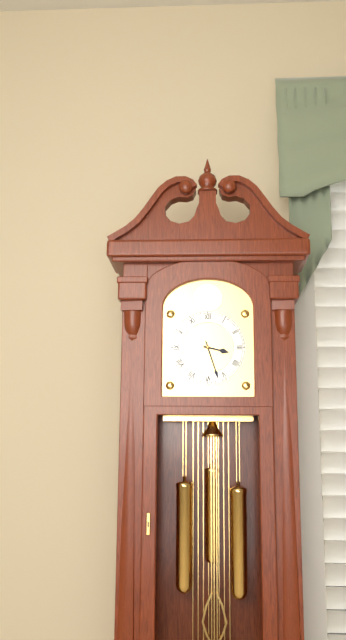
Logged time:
3h27
